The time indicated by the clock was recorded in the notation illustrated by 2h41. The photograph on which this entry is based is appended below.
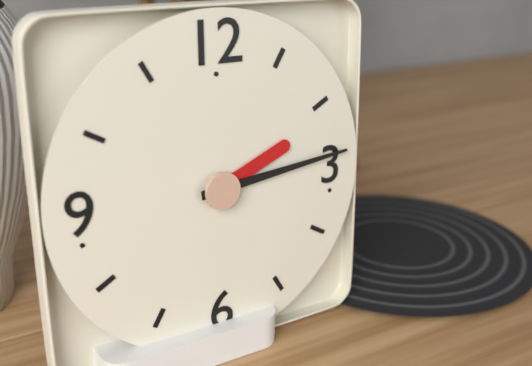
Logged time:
2h14
